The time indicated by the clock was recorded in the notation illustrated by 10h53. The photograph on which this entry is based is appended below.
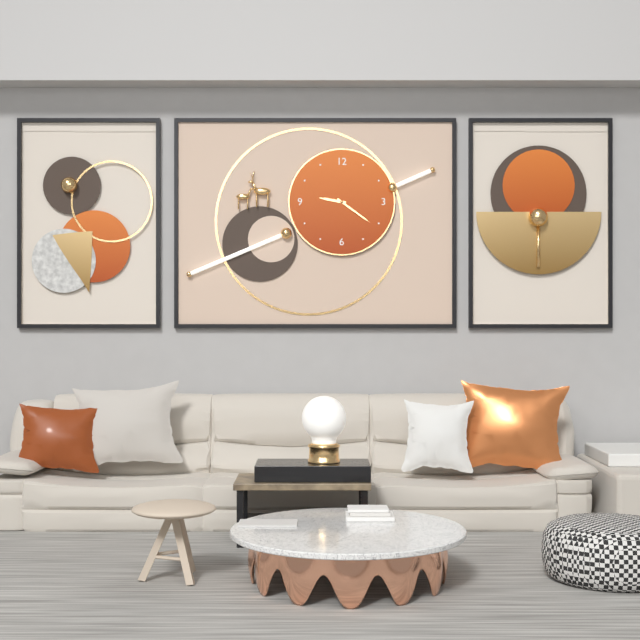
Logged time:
9h21
